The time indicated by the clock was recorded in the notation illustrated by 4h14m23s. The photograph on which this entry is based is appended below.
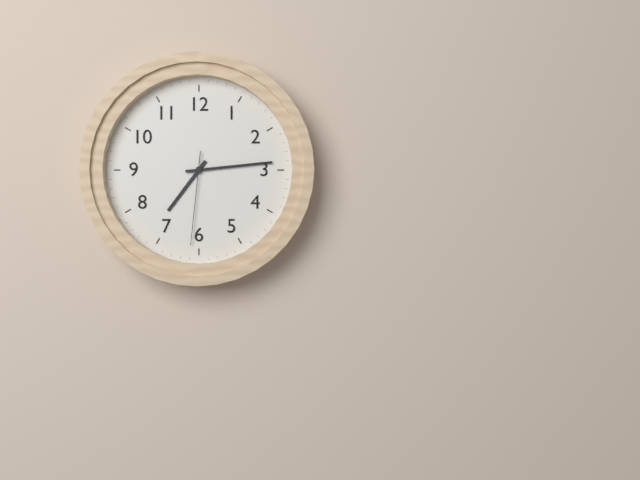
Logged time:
7h14m31s
